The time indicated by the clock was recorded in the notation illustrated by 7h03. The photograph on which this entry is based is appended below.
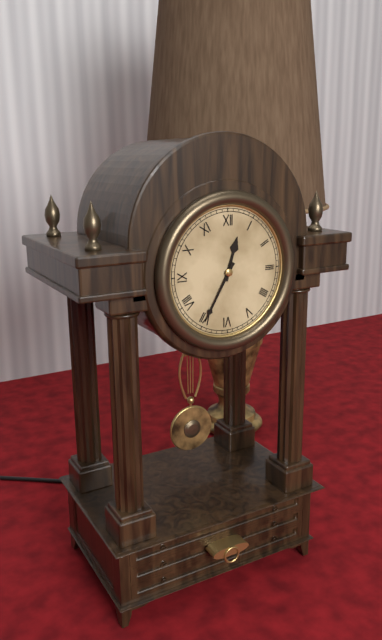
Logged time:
12h35
